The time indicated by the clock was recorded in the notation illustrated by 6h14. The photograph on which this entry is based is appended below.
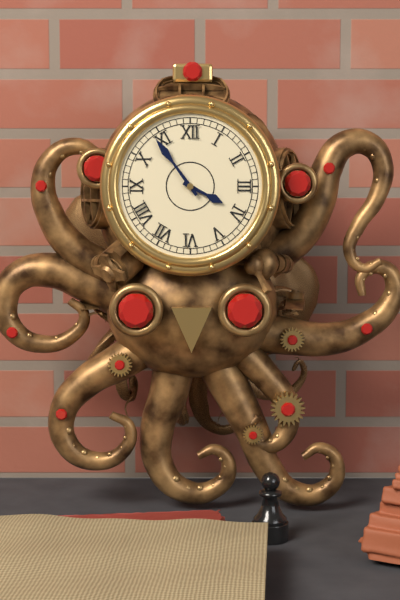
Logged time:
3h54
